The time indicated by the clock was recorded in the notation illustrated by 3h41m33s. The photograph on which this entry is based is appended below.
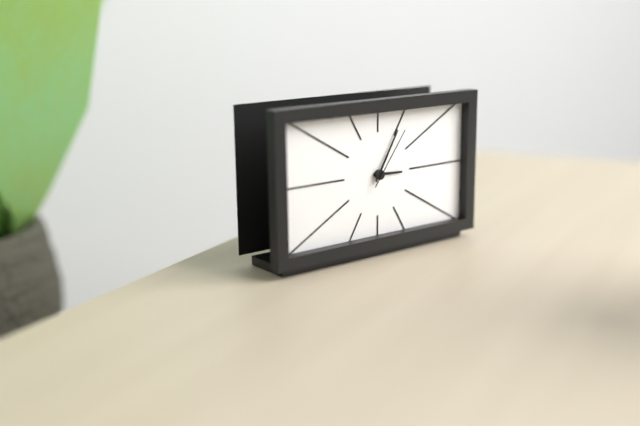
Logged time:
3h05m06s
